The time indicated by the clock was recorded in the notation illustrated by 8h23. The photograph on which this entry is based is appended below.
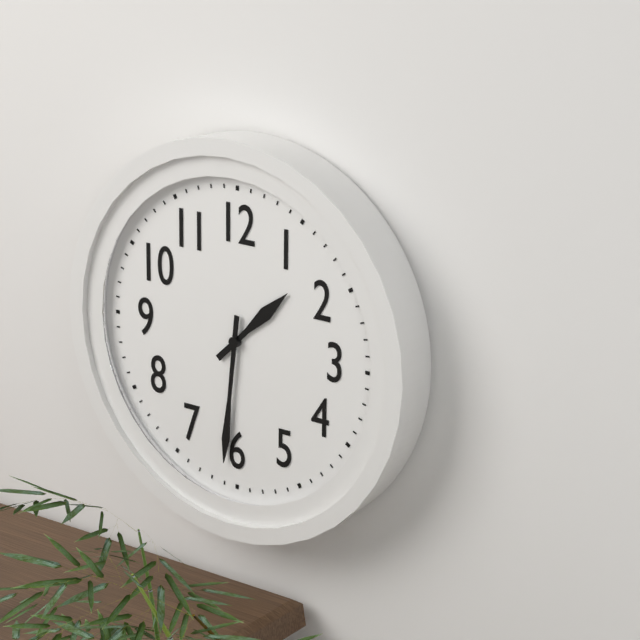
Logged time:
1h31
